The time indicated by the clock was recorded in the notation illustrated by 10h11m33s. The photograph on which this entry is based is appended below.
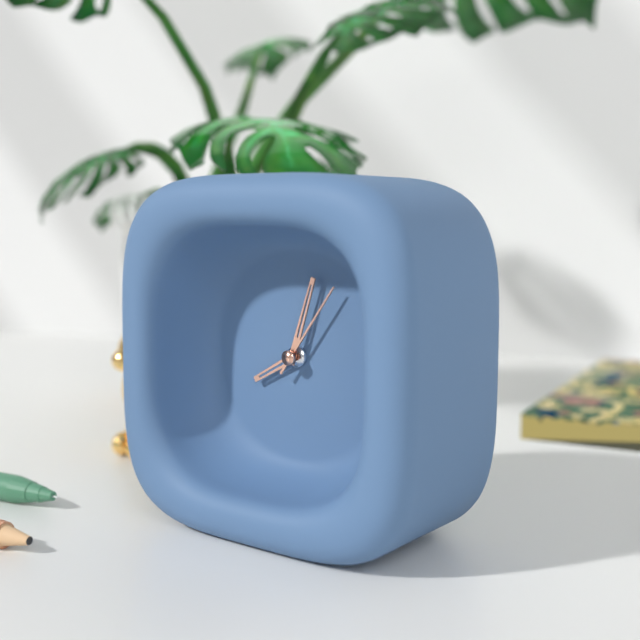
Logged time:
8h03m06s
